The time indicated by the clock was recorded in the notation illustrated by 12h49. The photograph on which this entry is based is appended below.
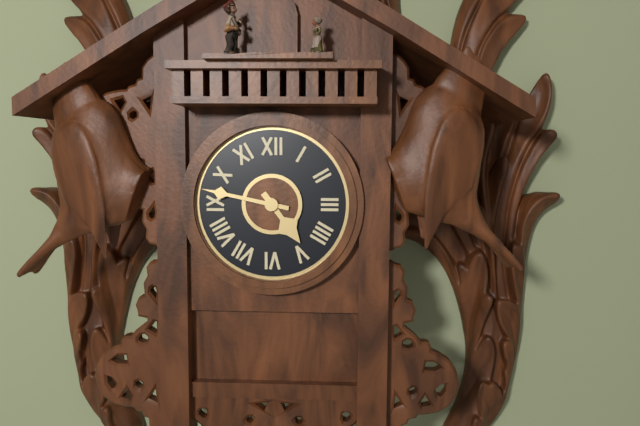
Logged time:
4h47
